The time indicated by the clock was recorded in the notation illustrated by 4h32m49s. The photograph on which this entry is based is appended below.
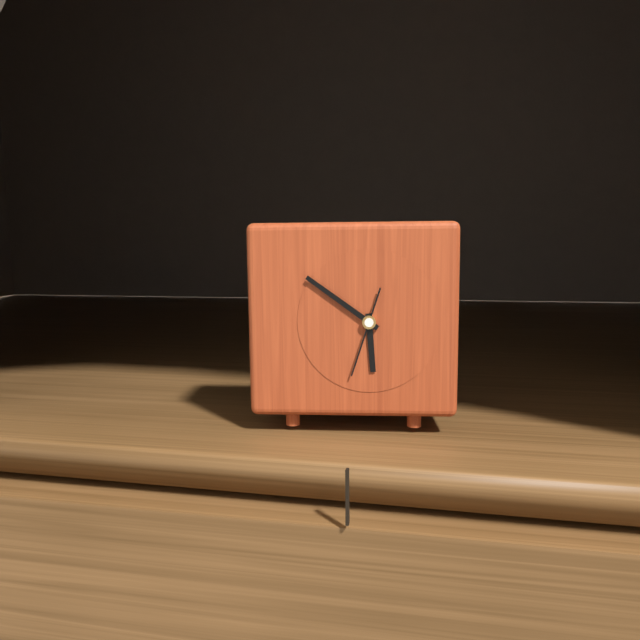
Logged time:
5h51m33s
